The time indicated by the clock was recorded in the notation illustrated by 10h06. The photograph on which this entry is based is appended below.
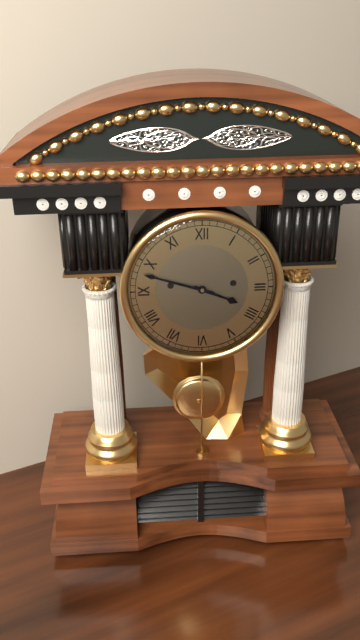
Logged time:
3h48
